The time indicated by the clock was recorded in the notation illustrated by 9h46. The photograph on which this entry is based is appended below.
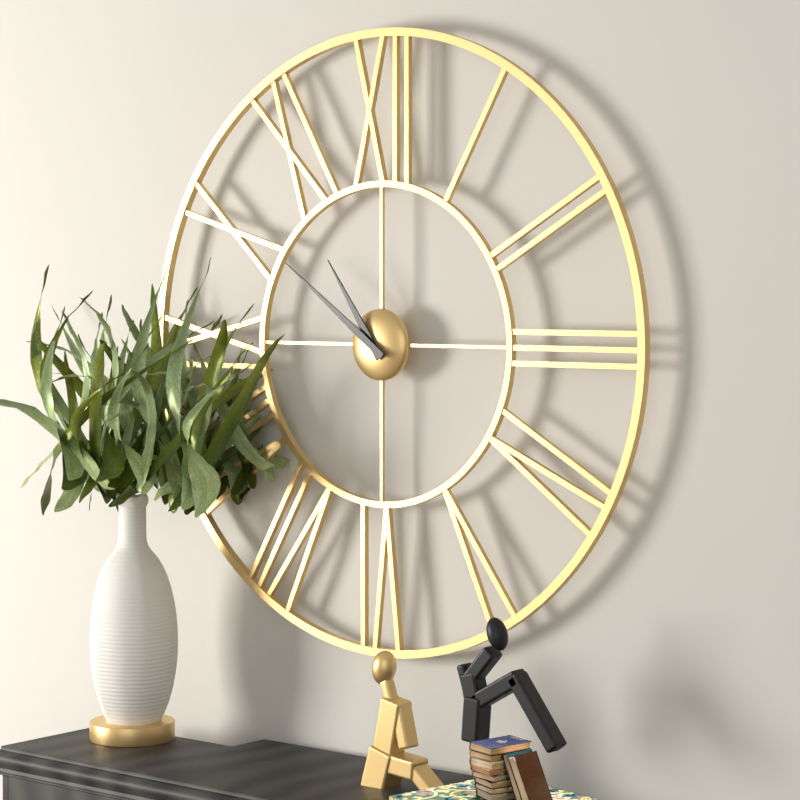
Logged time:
10h51
